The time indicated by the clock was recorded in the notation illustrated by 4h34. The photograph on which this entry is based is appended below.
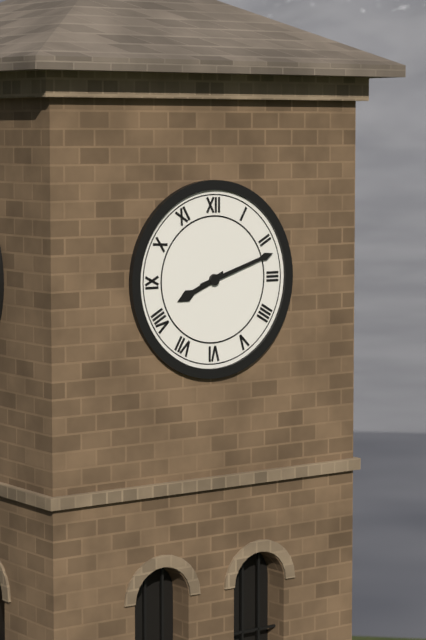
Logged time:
8h12
